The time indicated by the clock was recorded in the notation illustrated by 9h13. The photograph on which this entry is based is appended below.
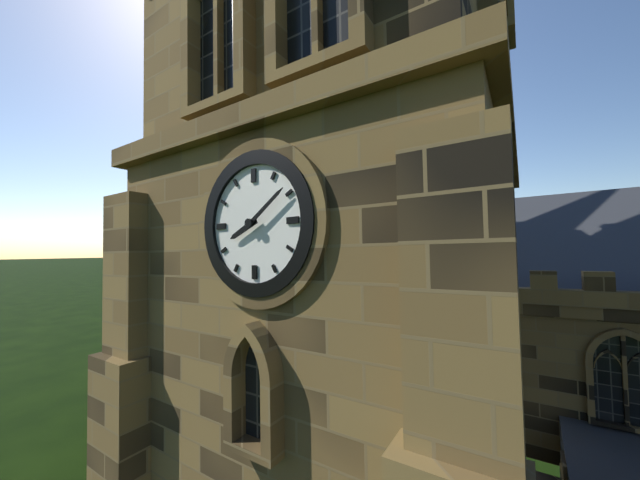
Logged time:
8h09
